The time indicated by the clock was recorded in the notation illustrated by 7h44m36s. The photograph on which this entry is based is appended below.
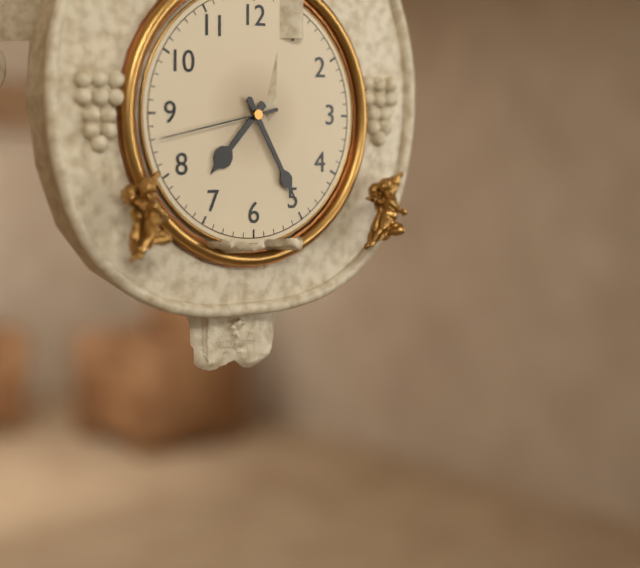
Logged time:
7h25m43s
